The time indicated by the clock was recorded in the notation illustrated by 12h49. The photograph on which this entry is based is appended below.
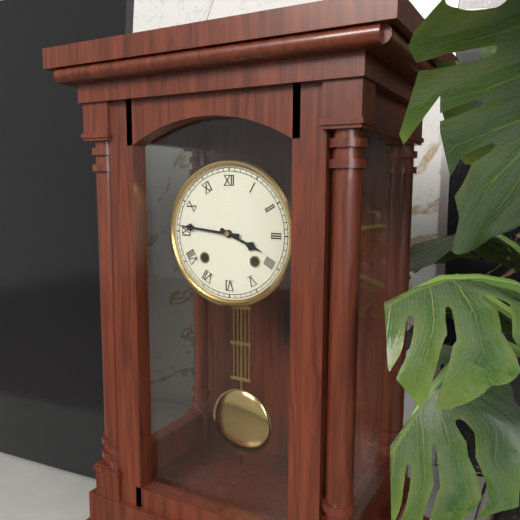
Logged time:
3h46
